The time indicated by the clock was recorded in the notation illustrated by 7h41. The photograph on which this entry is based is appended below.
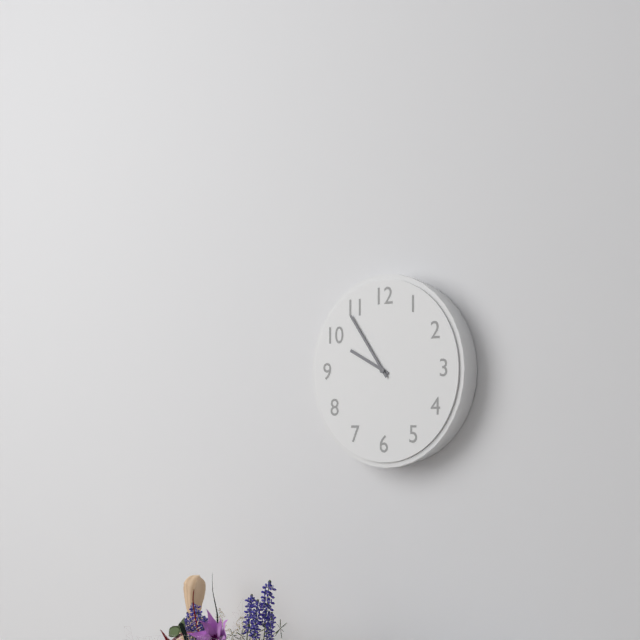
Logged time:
9h54
